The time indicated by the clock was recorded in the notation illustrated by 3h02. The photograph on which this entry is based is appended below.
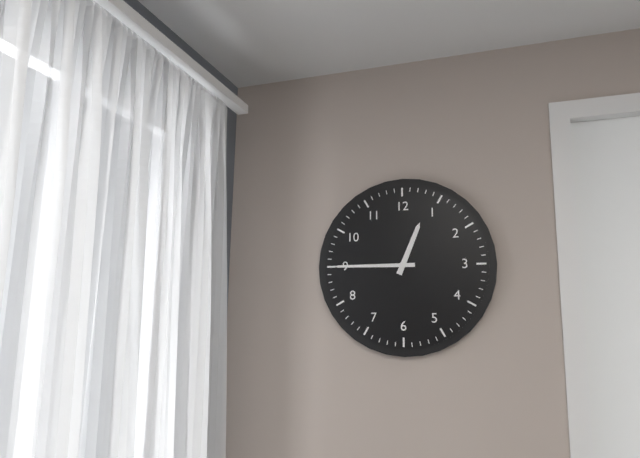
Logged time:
12h45
